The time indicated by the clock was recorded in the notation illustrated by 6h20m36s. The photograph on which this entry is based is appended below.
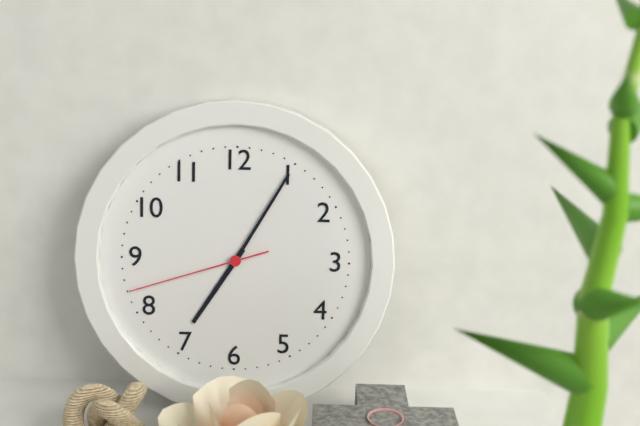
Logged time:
7h05m42s
